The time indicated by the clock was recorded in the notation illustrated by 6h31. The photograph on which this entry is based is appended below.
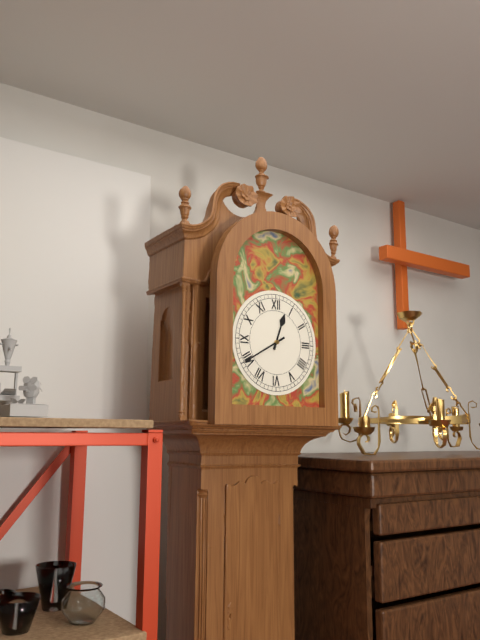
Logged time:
12h40
